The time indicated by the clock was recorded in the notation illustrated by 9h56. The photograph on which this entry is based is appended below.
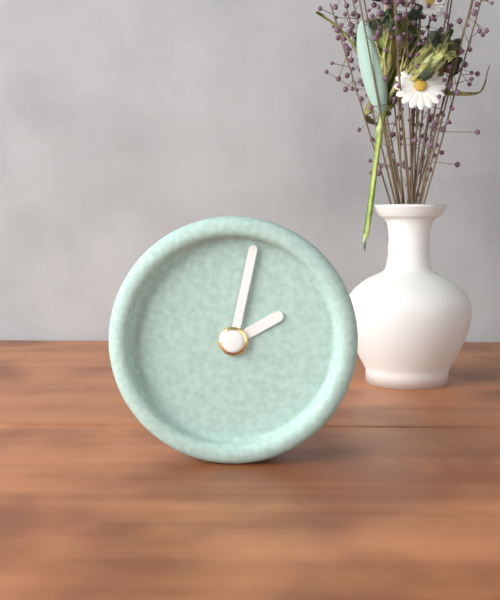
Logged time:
2h02
